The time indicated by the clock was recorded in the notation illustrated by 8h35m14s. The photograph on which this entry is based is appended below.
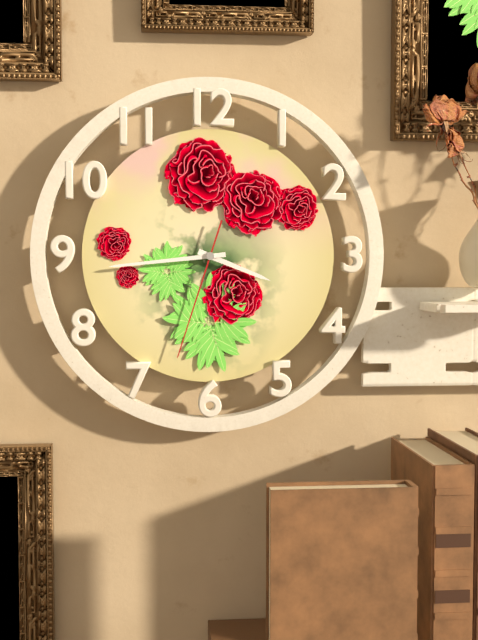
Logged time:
3h44m33s
